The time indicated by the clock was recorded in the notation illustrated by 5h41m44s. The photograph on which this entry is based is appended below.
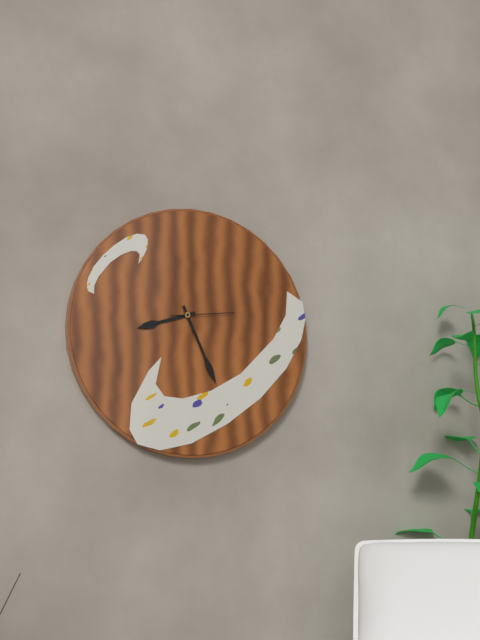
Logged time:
8h26m14s
